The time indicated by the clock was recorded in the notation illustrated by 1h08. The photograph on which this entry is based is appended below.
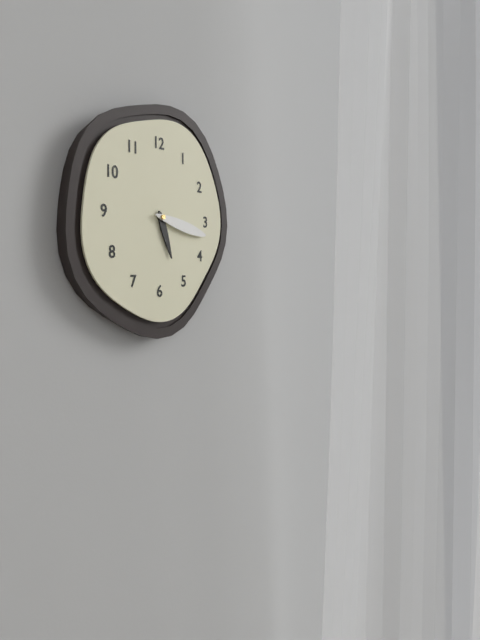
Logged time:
5h17
